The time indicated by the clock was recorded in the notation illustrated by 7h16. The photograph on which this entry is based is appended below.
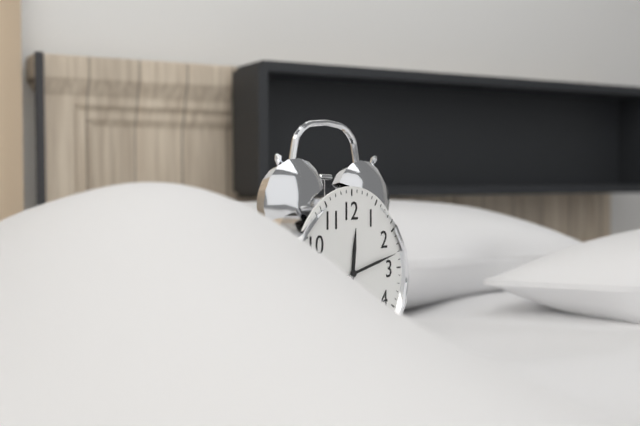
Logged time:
12h13
